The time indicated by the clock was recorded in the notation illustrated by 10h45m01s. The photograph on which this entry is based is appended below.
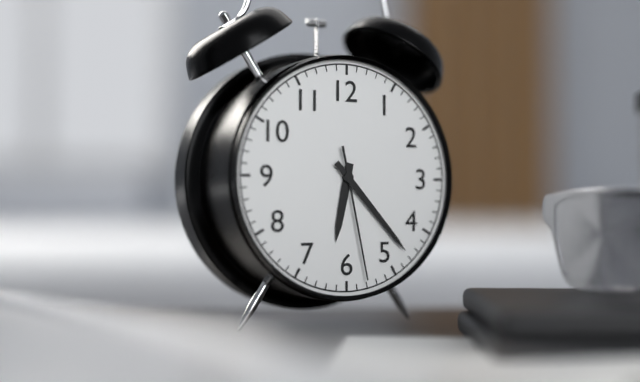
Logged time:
6h23m28s
